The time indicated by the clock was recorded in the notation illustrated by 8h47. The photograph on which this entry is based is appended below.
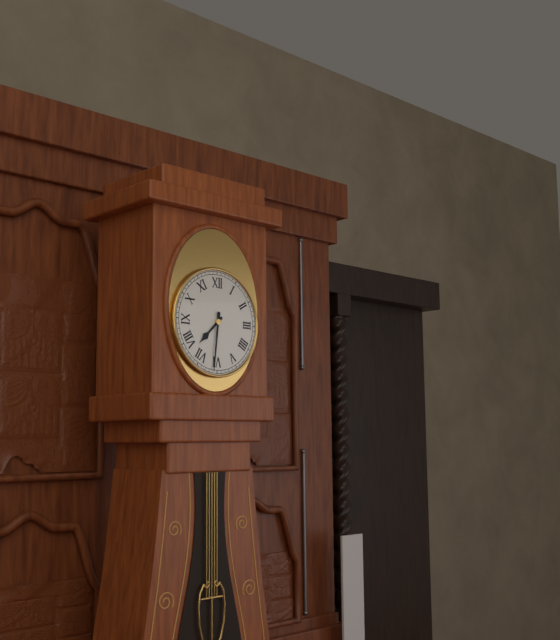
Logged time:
7h31
